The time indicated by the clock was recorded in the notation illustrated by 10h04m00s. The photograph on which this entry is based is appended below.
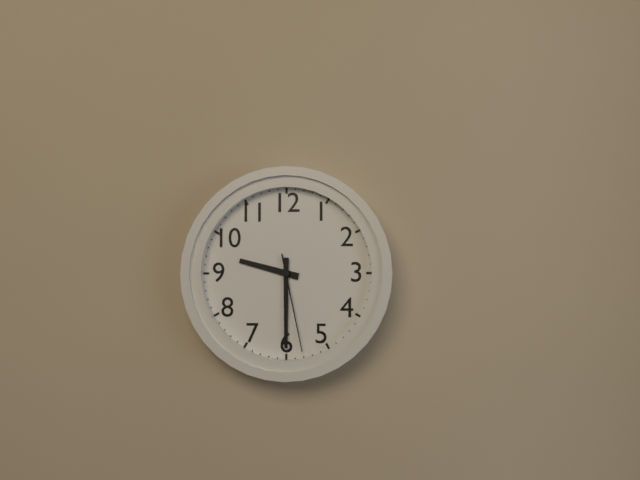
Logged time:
9h30m28s
